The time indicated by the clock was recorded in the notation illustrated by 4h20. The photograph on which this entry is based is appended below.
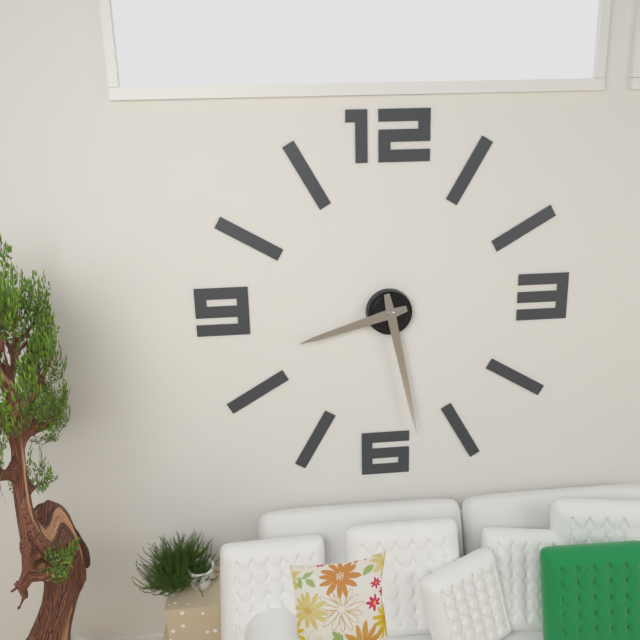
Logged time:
8h28
